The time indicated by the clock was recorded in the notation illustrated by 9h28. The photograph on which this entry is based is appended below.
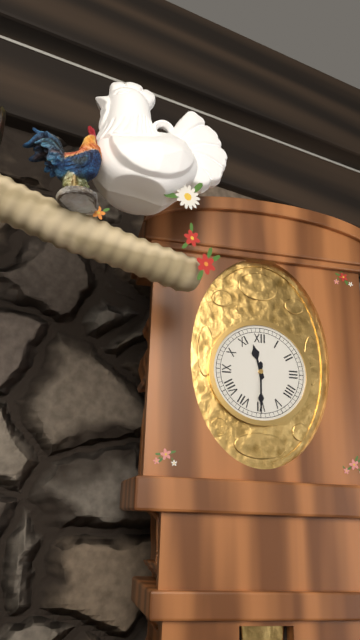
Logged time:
11h30
